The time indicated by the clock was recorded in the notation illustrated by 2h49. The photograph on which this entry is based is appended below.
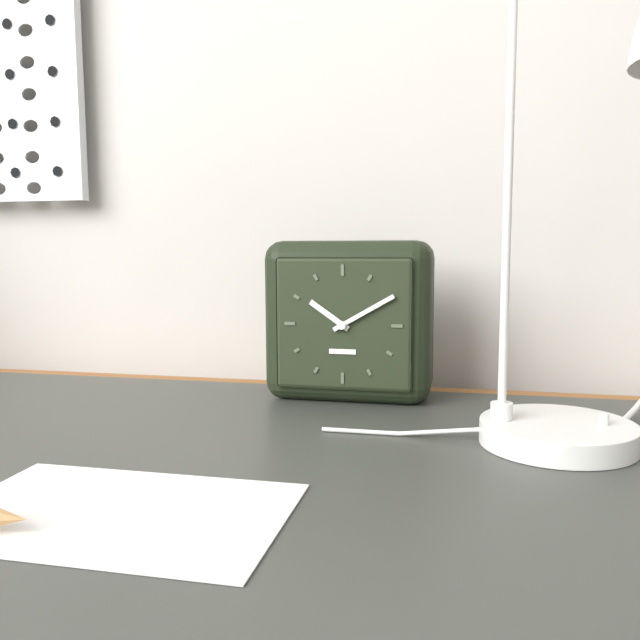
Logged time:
10h10
